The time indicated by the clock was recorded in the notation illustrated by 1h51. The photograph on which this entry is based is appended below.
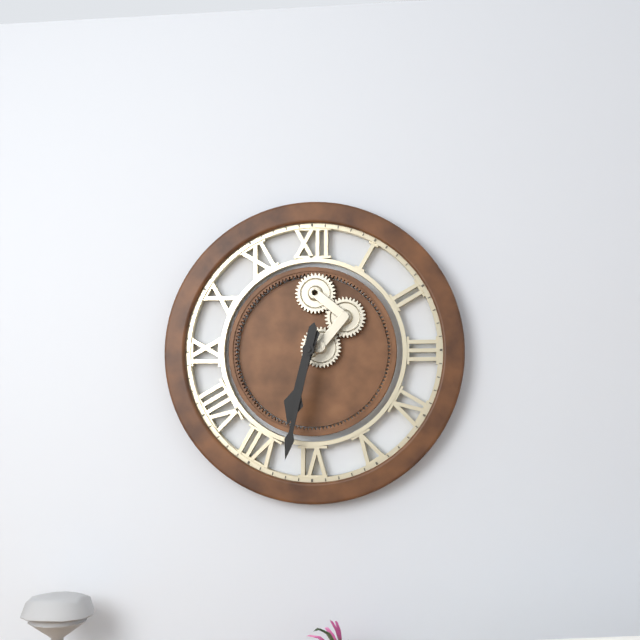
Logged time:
6h32
